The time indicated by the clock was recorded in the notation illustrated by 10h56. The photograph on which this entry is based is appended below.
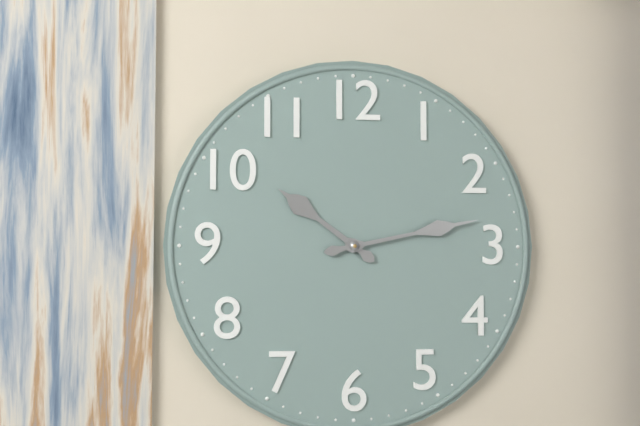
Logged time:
10h13
